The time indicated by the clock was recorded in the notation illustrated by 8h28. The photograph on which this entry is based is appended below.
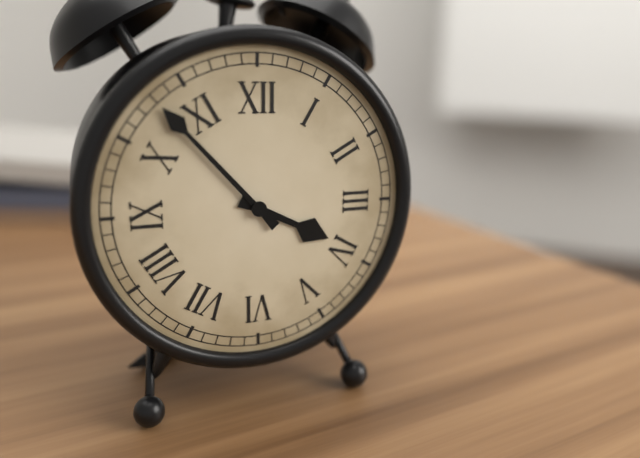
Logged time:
3h53
